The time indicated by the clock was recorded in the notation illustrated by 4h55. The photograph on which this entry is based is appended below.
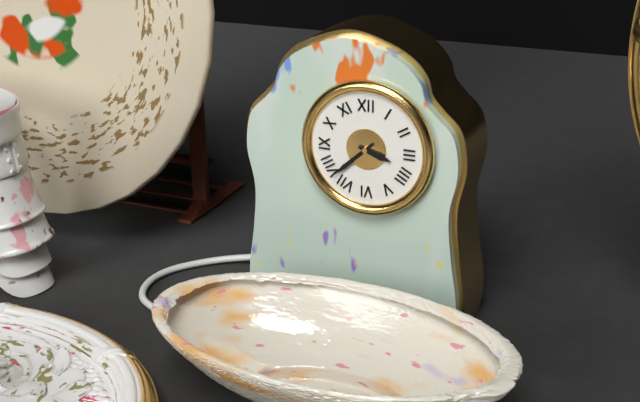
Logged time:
3h38
